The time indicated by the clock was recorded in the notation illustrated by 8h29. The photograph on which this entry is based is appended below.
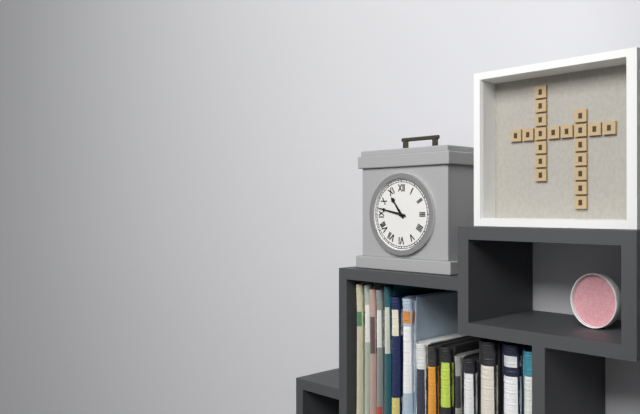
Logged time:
10h47
